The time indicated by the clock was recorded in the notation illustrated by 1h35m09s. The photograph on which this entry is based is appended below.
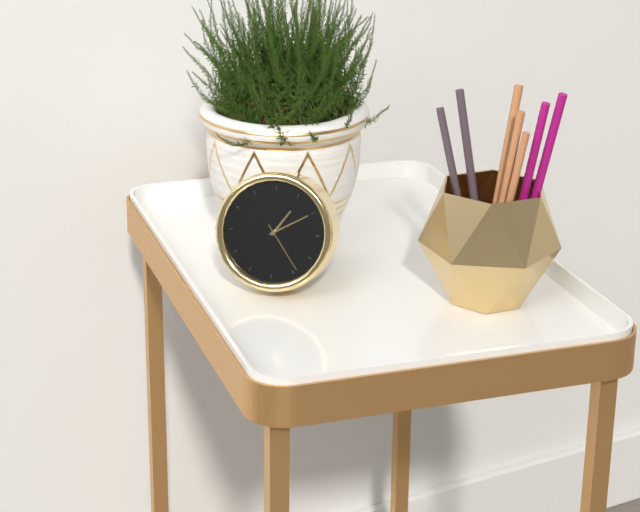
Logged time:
1h10m24s
